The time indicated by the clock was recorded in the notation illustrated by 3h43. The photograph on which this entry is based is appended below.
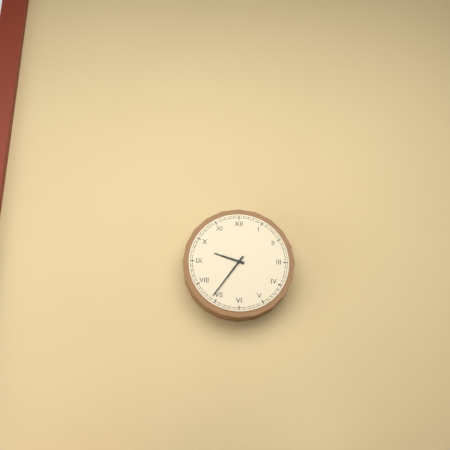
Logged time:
9h36
